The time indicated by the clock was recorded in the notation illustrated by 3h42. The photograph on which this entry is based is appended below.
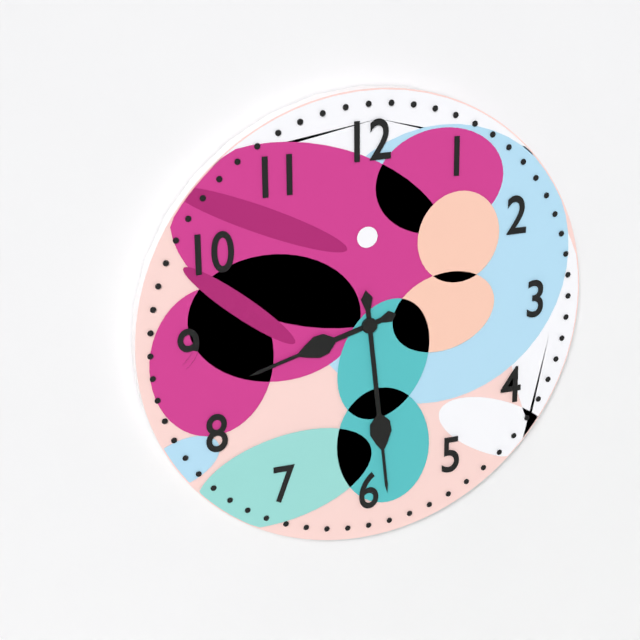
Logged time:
8h29
